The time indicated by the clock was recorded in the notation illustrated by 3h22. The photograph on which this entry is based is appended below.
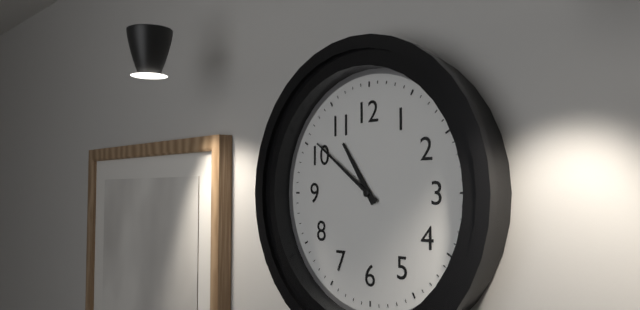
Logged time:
10h51
